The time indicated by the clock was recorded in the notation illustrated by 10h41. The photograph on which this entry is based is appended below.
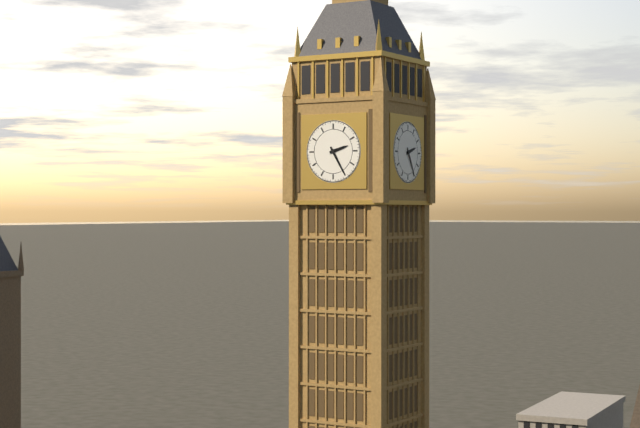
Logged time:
2h25
